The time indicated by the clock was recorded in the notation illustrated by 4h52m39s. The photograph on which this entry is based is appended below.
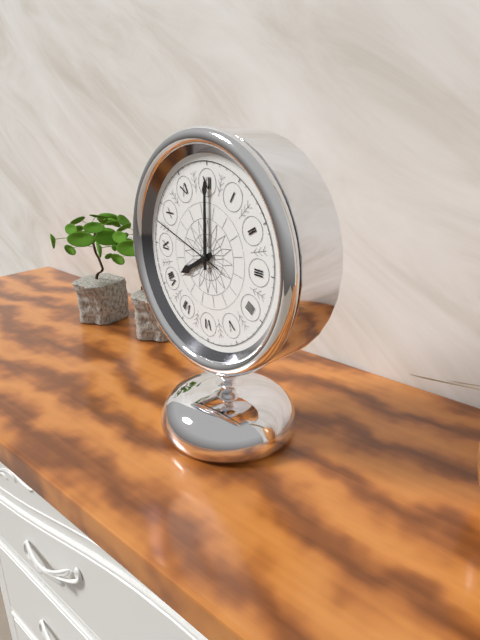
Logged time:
8h00m48s
